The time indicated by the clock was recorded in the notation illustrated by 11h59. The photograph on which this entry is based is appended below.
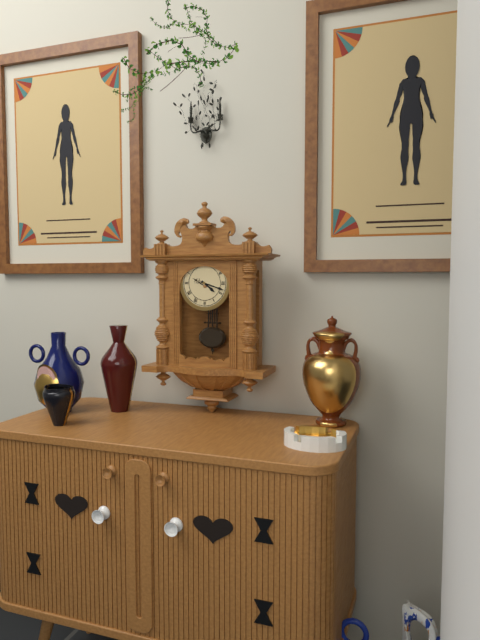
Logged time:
4h18
